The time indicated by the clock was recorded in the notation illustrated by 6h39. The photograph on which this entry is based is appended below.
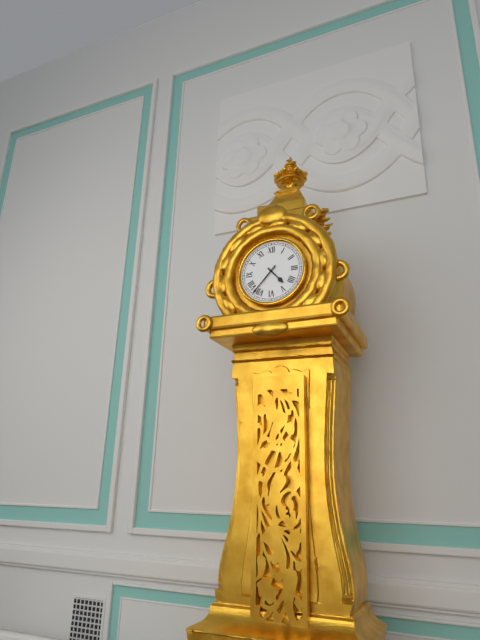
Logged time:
4h37
